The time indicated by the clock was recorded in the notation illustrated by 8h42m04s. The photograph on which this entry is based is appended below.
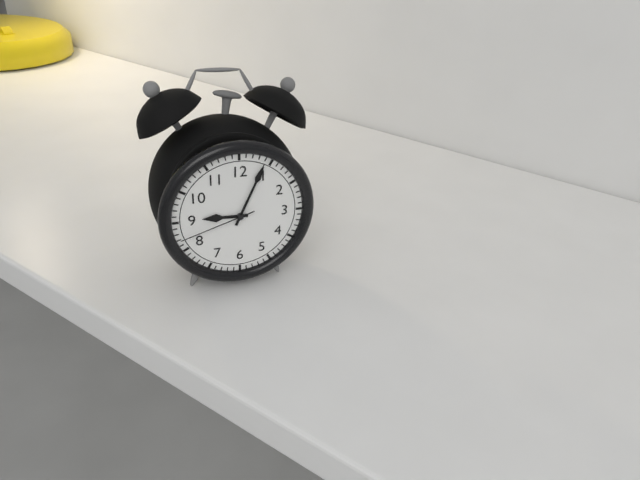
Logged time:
9h04m42s
